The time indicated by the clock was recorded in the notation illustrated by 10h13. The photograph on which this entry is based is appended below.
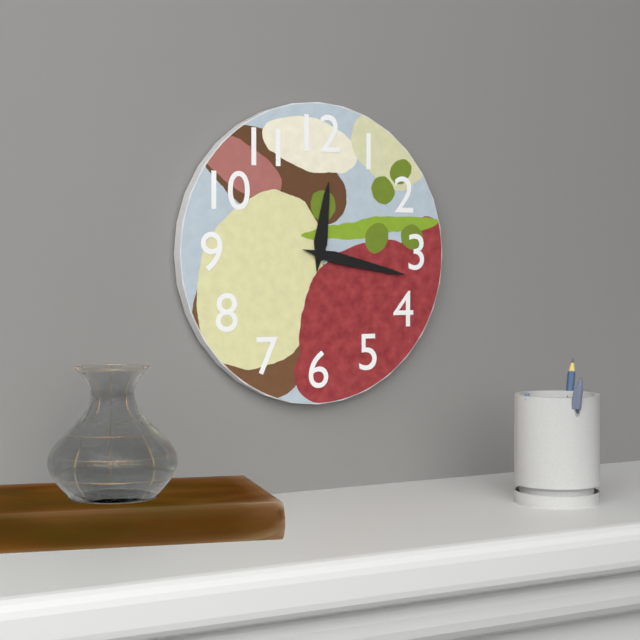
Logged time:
12h17
